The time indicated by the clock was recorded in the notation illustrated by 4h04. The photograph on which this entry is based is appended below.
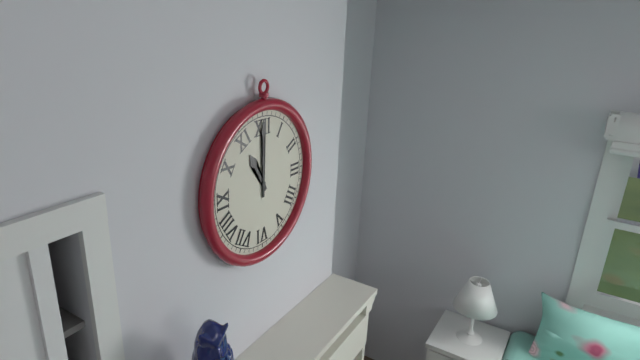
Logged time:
11h00
